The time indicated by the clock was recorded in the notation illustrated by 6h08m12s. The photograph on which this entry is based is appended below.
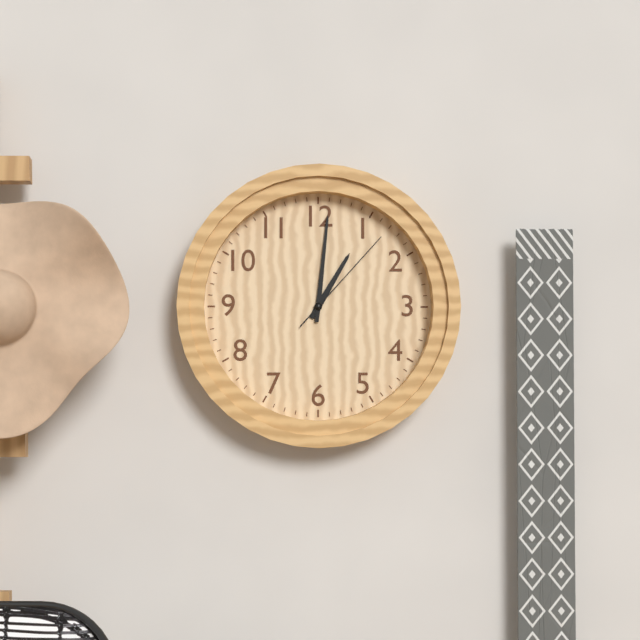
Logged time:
1h01m07s
